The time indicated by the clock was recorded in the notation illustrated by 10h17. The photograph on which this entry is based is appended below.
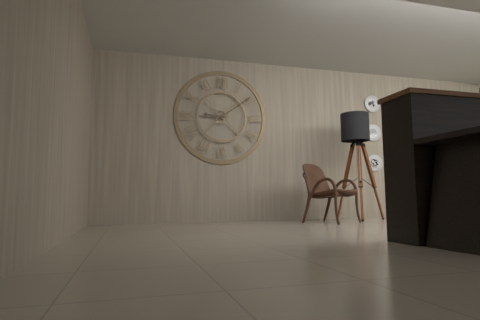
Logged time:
9h09
